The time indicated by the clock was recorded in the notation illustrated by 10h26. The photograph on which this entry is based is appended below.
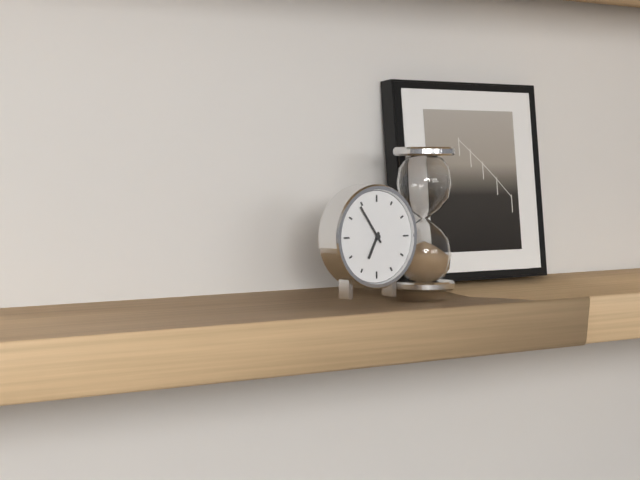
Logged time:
6h54
